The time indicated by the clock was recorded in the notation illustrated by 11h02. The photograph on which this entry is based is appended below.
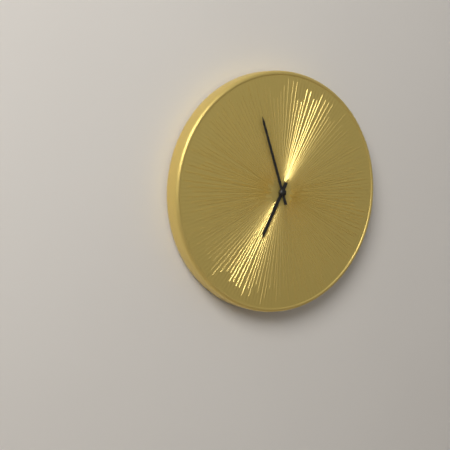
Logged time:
6h57
